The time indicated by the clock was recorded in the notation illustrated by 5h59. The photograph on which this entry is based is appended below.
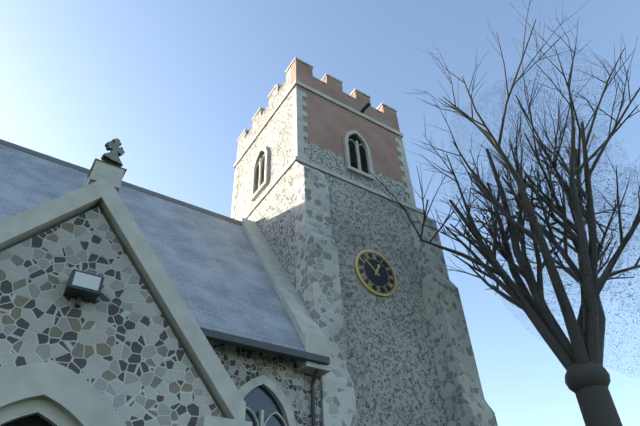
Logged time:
12h52
